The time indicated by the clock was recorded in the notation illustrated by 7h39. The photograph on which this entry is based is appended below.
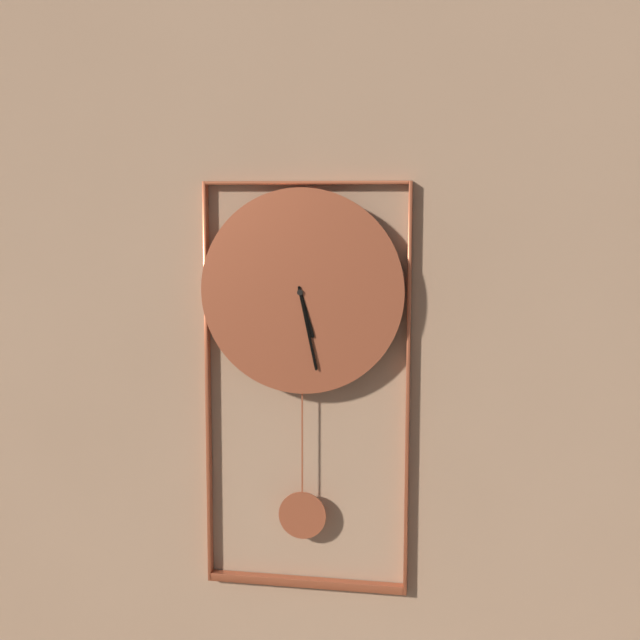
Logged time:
5h28
